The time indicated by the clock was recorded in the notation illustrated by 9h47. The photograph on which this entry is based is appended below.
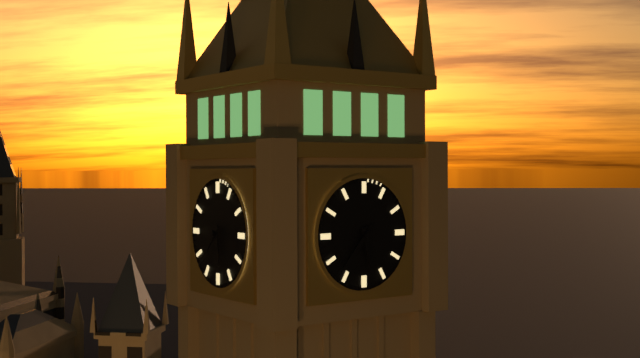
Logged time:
5h37
